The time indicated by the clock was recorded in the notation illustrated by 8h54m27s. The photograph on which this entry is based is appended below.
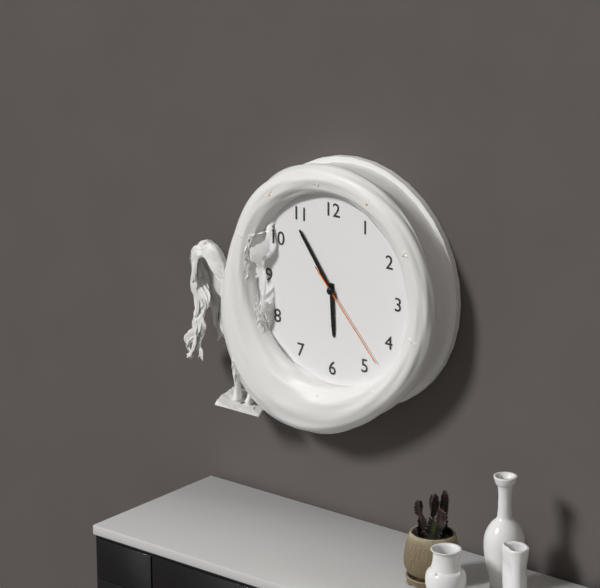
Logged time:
5h54m23s
